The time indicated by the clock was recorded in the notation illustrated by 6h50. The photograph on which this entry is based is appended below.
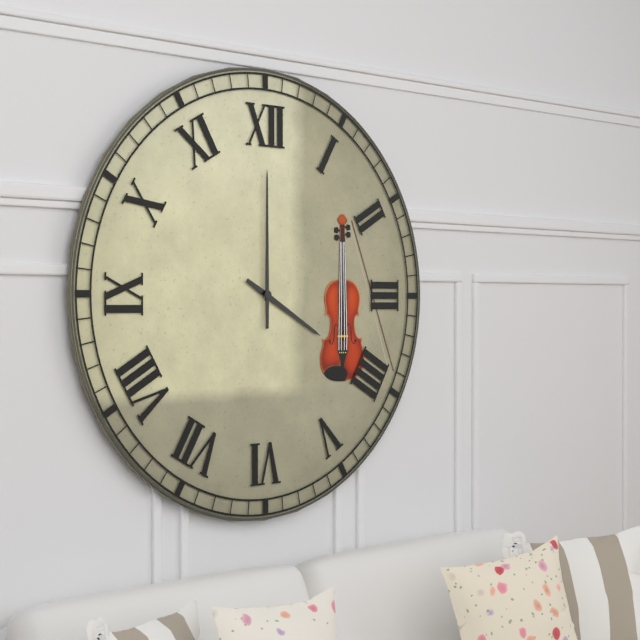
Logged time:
4h00
